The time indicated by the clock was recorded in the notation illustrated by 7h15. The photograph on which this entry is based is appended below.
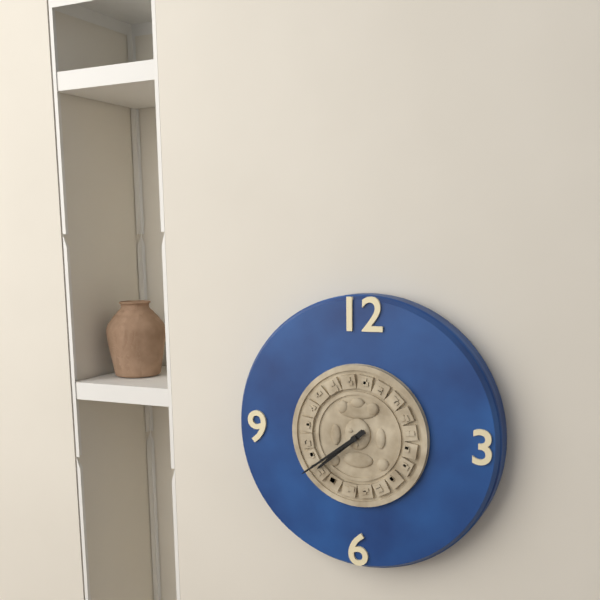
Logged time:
7h39
